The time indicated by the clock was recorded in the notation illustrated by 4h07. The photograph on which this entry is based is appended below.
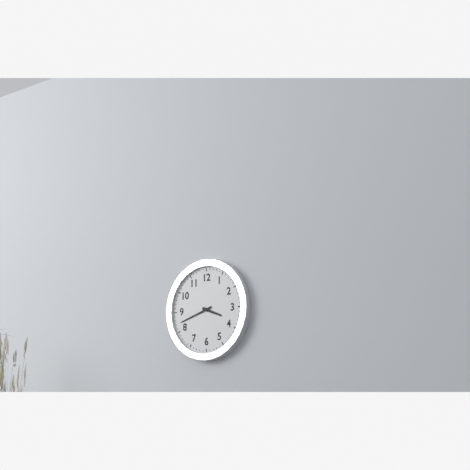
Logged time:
3h42
